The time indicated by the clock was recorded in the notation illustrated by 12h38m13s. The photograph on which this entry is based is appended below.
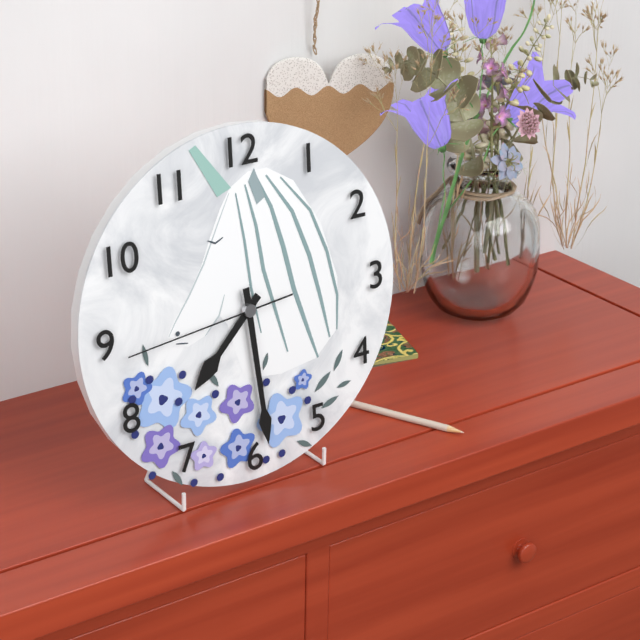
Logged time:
7h29m44s
